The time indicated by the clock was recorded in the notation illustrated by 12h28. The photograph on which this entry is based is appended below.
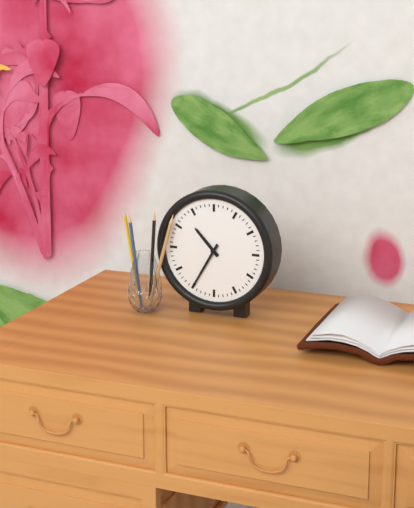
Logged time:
10h35
